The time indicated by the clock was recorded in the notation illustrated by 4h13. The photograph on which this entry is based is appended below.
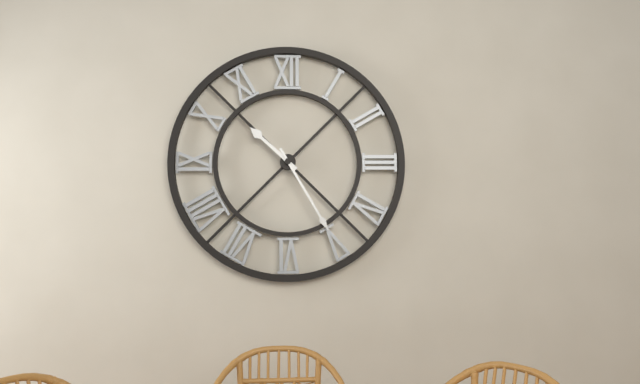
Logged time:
10h25
